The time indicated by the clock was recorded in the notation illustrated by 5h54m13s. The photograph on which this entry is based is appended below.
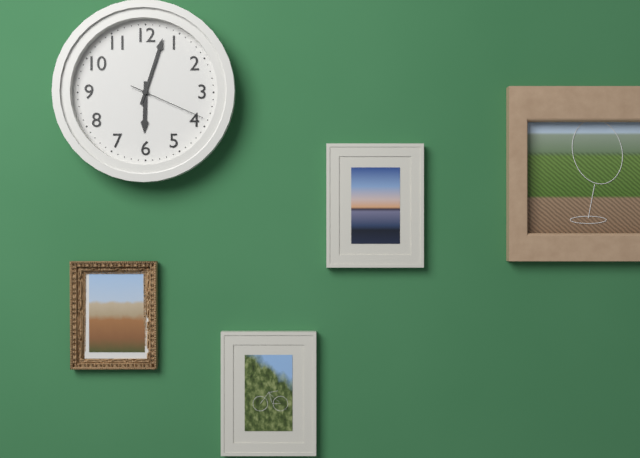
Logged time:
6h03m19s
